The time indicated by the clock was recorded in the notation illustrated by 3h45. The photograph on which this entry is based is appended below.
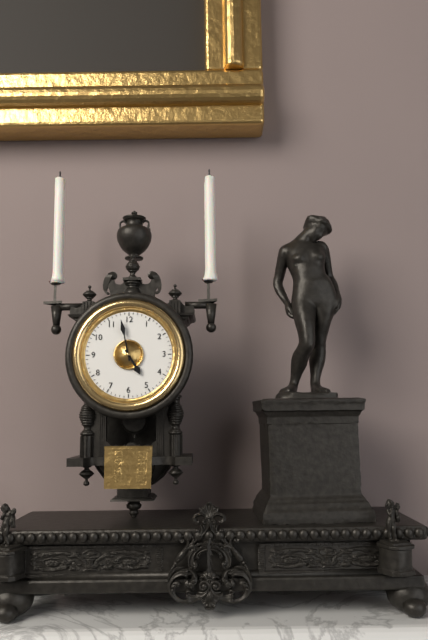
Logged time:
4h58
